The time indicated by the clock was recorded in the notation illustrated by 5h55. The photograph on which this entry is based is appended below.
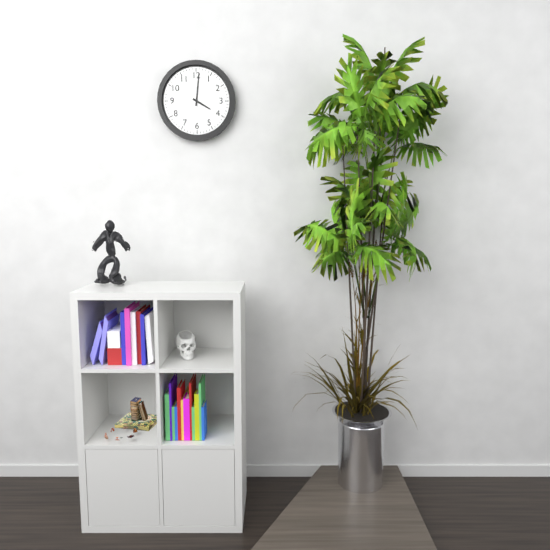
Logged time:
4h01
